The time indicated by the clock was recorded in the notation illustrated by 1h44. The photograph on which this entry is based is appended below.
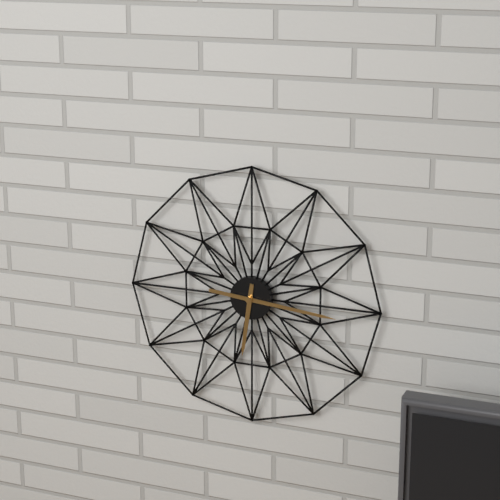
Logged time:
6h16
